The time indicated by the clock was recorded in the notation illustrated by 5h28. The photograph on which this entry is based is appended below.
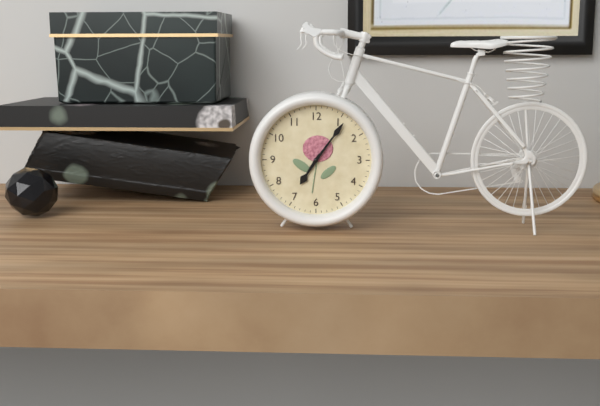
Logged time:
7h06
